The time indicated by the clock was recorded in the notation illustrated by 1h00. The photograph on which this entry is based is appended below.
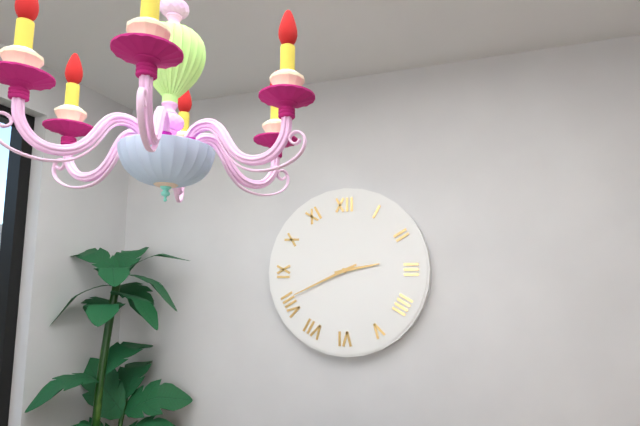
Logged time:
2h41
